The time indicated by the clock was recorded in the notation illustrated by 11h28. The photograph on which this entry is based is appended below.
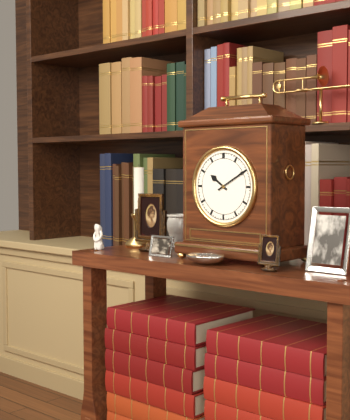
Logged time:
10h10
